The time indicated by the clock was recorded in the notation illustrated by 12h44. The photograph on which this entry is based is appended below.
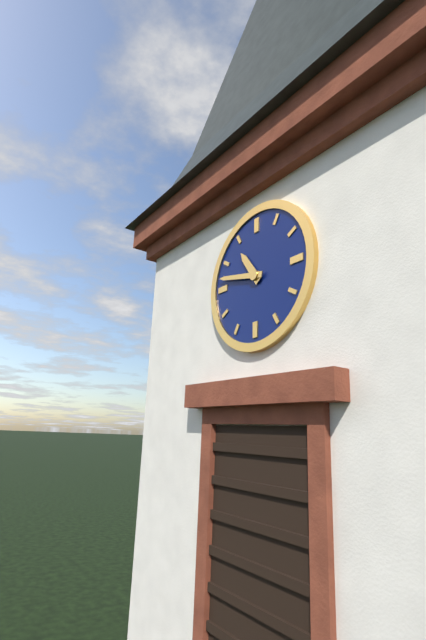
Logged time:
10h47
